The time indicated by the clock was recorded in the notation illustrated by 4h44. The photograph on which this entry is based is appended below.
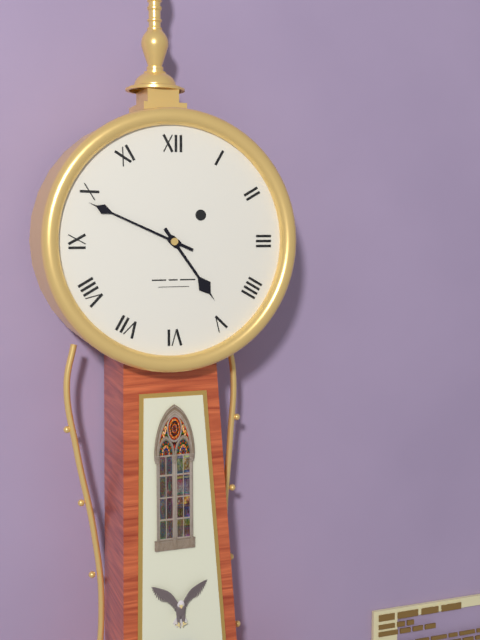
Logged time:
4h49
